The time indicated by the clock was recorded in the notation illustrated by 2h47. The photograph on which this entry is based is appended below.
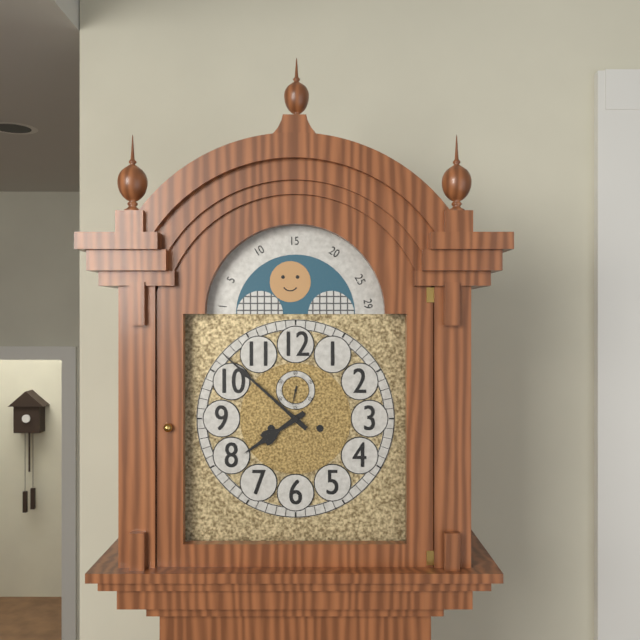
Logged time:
7h52
